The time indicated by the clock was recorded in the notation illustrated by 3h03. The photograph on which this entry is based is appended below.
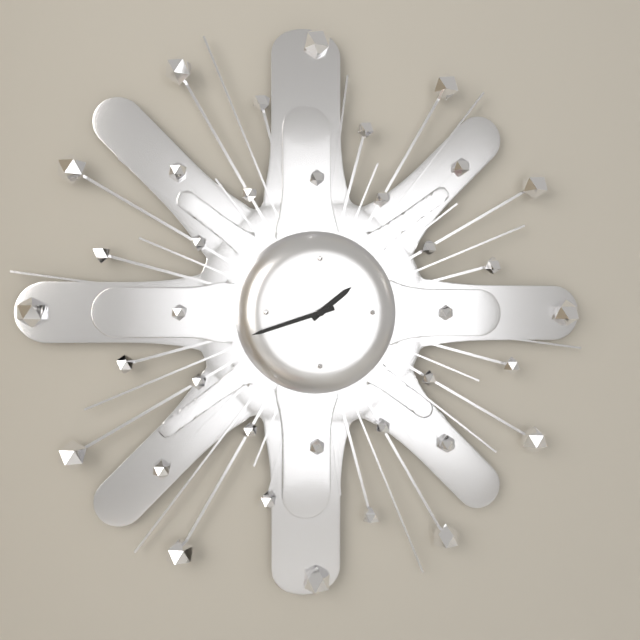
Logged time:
1h42
